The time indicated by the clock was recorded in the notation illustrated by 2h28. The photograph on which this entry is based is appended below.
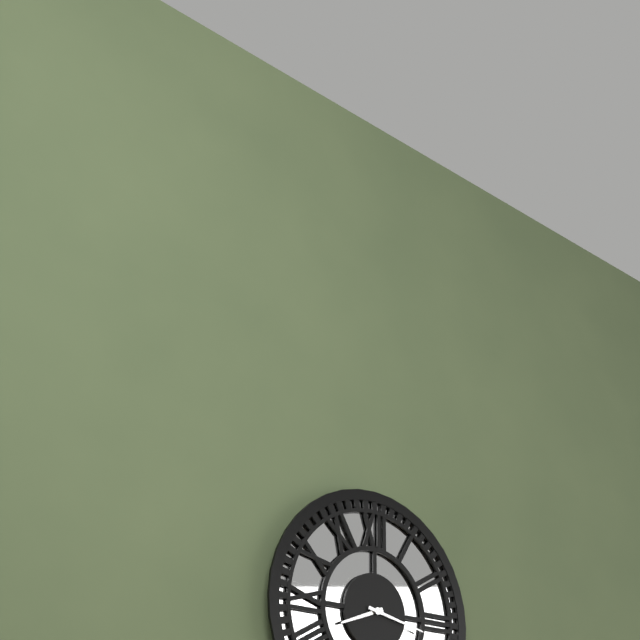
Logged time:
8h17
